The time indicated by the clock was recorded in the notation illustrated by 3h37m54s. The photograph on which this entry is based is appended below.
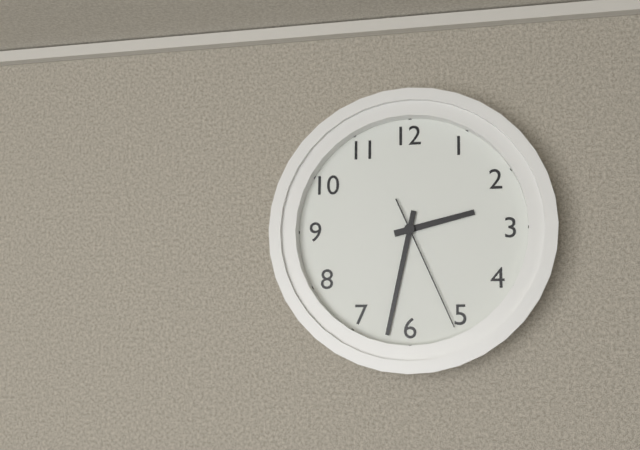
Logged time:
2h32m26s
